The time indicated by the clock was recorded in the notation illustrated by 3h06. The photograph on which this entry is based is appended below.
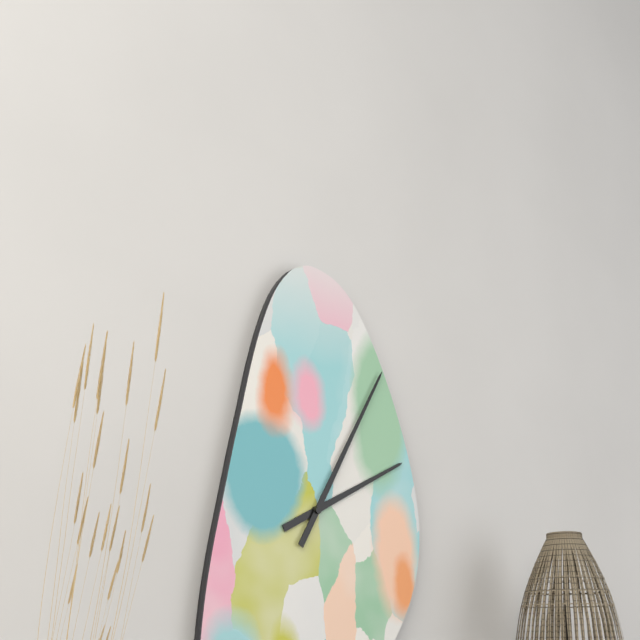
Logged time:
2h05
